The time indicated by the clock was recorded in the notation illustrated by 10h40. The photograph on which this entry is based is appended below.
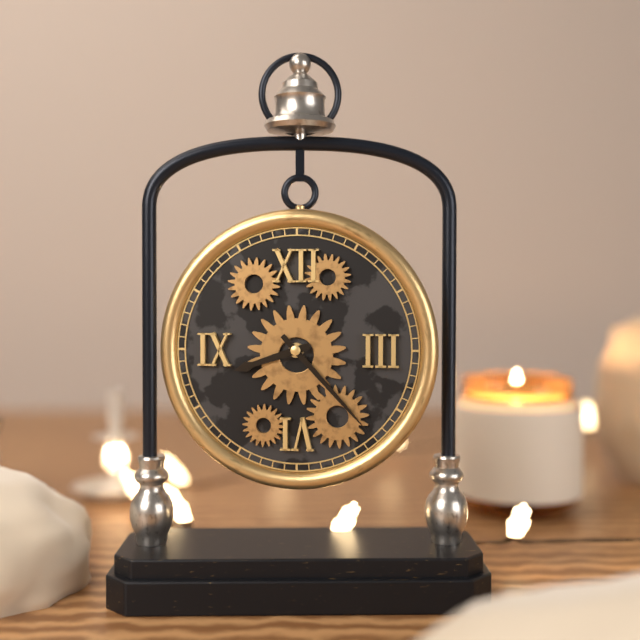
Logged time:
8h23
